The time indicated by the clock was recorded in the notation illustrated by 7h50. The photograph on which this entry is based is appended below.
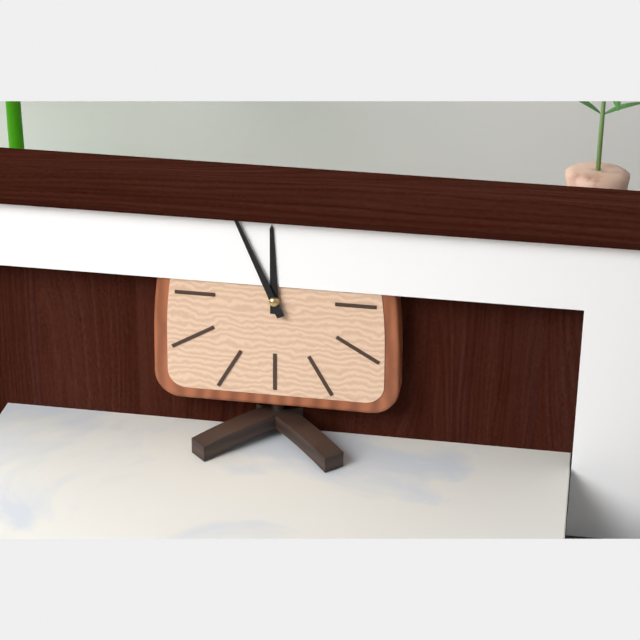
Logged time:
11h56
